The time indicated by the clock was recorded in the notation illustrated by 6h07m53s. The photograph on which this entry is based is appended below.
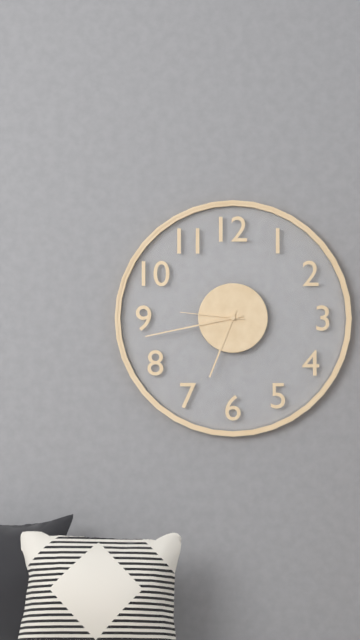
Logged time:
6h43m46s
